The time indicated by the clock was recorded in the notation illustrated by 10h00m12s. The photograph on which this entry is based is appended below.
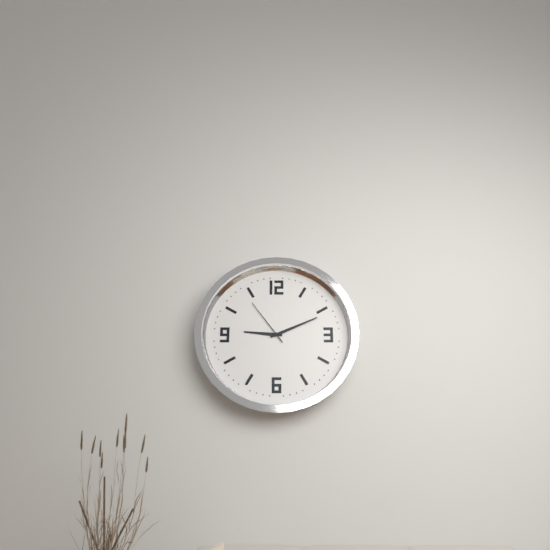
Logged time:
9h11m54s
